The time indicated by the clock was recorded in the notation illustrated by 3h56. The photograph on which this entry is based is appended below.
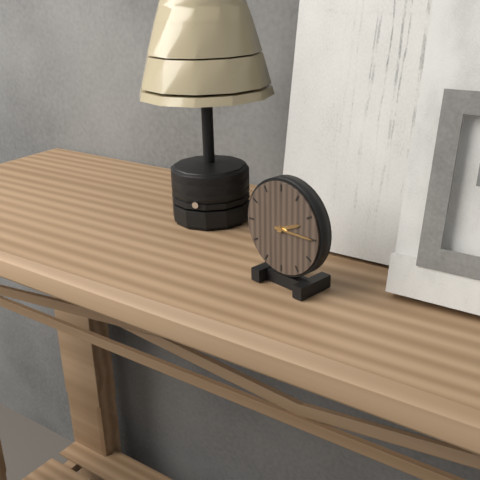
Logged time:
2h15
